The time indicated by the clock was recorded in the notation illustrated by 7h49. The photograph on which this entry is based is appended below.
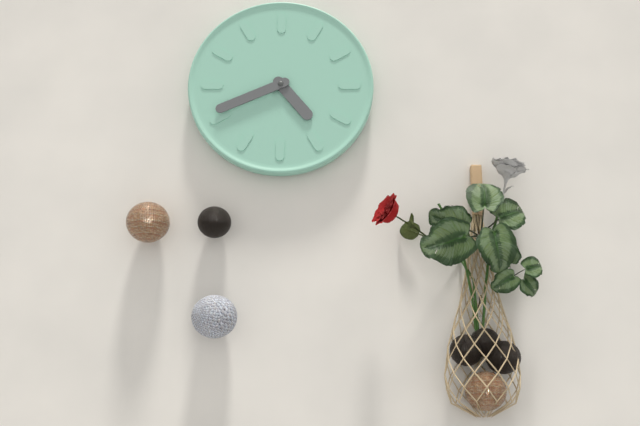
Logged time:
4h41
